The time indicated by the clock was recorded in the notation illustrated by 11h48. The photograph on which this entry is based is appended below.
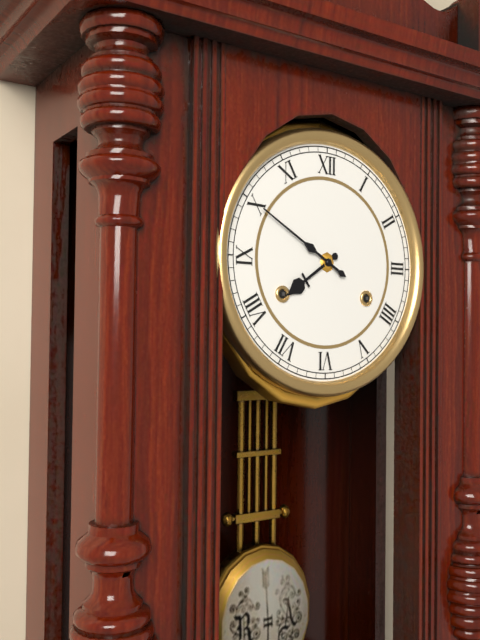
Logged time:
7h50
